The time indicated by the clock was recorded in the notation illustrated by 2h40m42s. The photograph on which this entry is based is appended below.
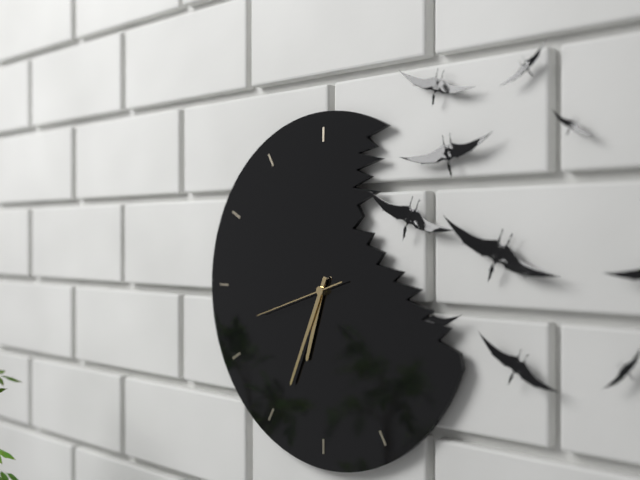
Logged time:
6h34m42s
